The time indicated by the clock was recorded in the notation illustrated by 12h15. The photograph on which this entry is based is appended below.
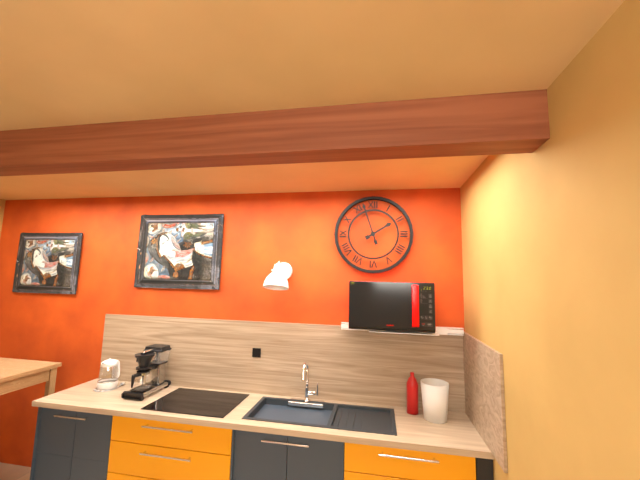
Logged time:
1h57
